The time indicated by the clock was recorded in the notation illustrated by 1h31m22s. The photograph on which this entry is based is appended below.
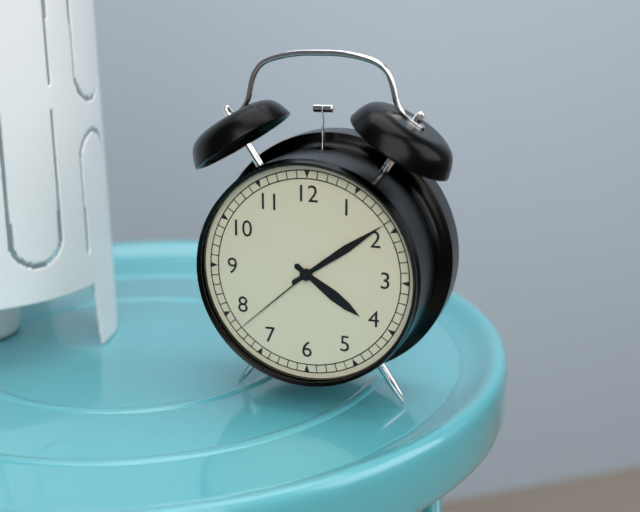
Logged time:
4h09m38s
